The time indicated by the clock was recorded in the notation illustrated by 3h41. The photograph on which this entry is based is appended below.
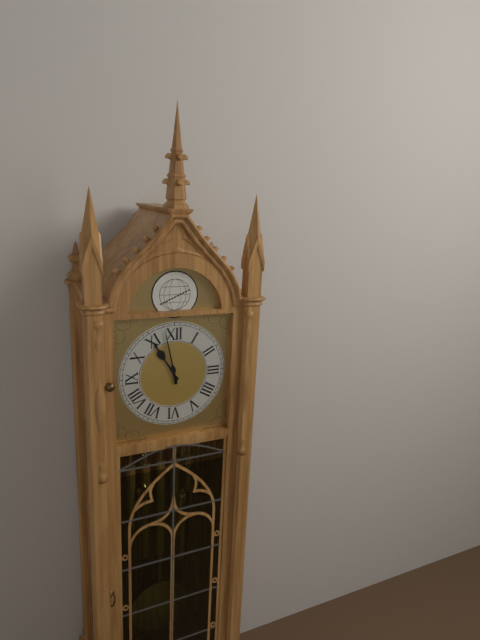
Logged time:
10h58
